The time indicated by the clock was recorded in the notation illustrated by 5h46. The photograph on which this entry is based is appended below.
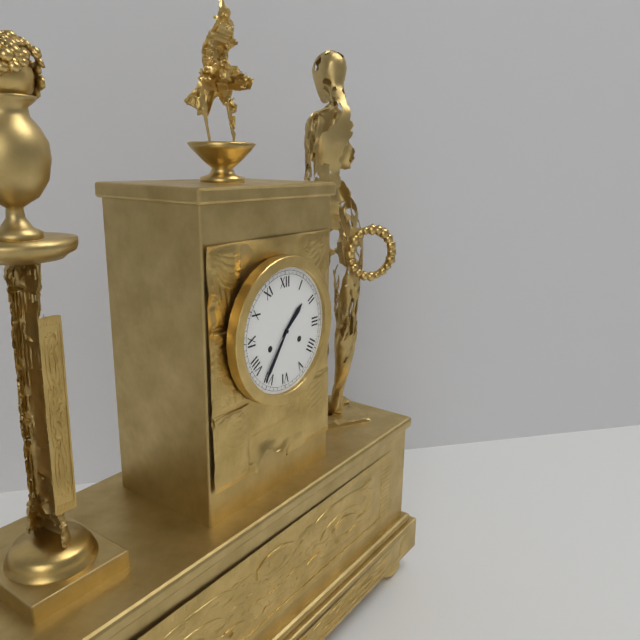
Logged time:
1h36
